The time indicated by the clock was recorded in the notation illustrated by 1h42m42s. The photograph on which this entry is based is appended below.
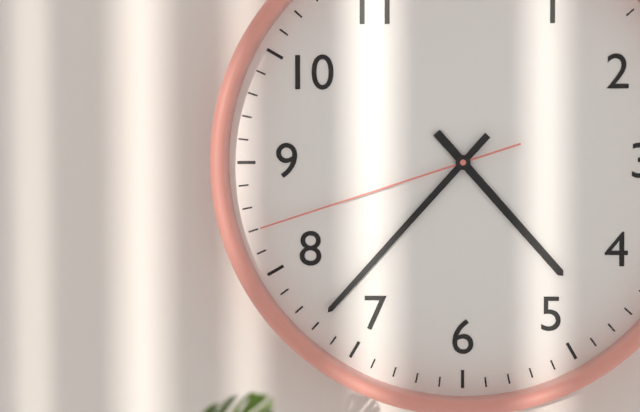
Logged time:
4h37m42s
